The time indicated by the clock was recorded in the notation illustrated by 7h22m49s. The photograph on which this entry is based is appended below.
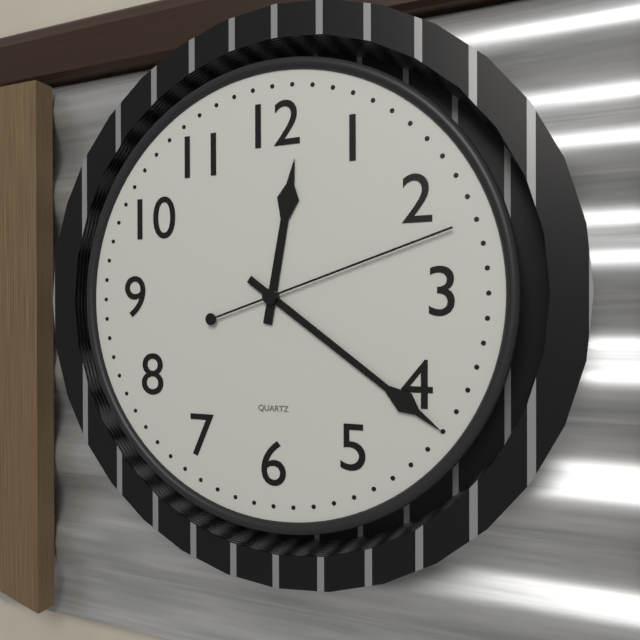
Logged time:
12h21m12s
